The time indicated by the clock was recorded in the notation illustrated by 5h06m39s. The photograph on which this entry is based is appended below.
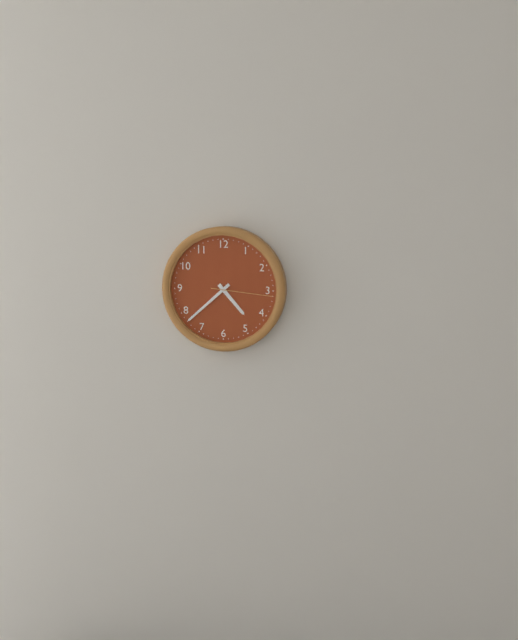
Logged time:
4h38m16s
